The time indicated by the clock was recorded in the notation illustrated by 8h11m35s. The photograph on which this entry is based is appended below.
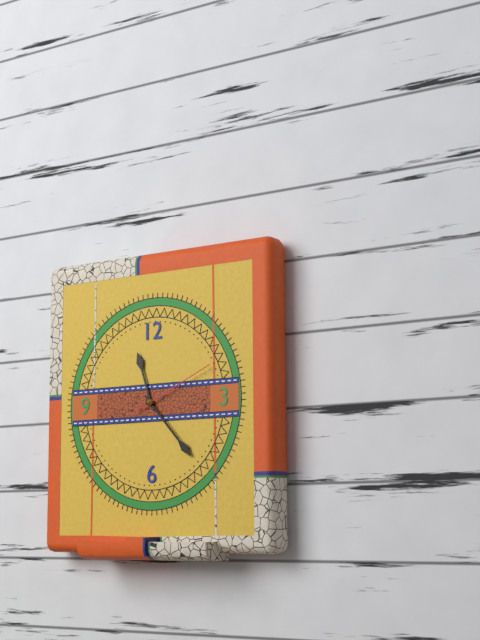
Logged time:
11h23m11s
